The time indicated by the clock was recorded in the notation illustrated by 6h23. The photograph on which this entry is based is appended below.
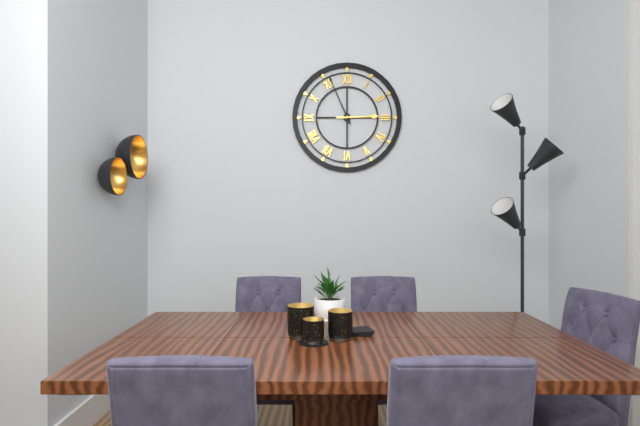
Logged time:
2h56
